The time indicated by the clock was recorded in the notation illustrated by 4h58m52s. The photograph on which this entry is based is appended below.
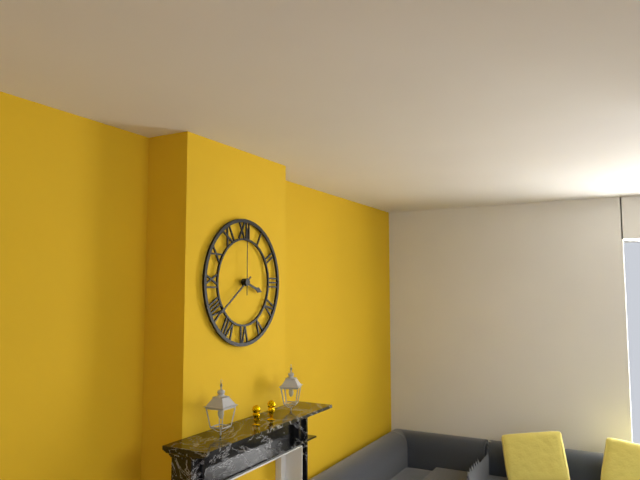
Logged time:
3h39m00s
